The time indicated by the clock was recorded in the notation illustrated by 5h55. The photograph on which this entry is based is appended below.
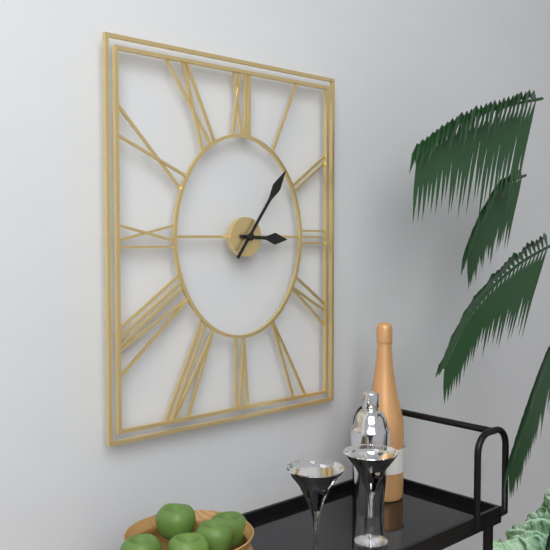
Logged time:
3h06
